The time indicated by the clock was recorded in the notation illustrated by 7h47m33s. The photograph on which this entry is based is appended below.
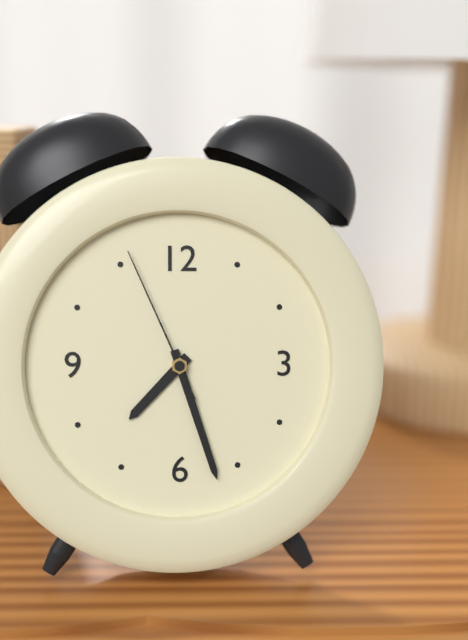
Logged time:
7h27m56s
